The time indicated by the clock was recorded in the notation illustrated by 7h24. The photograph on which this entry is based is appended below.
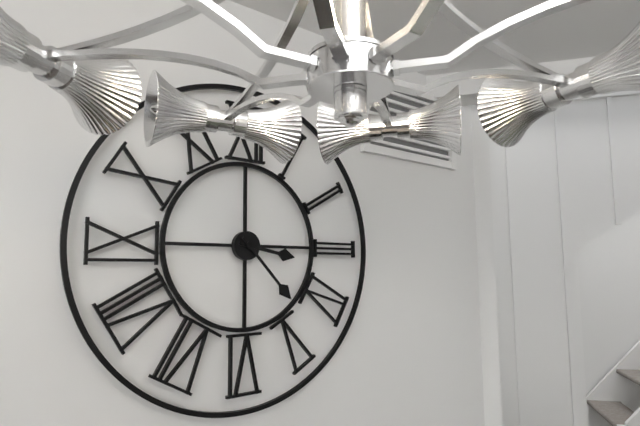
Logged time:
3h23
